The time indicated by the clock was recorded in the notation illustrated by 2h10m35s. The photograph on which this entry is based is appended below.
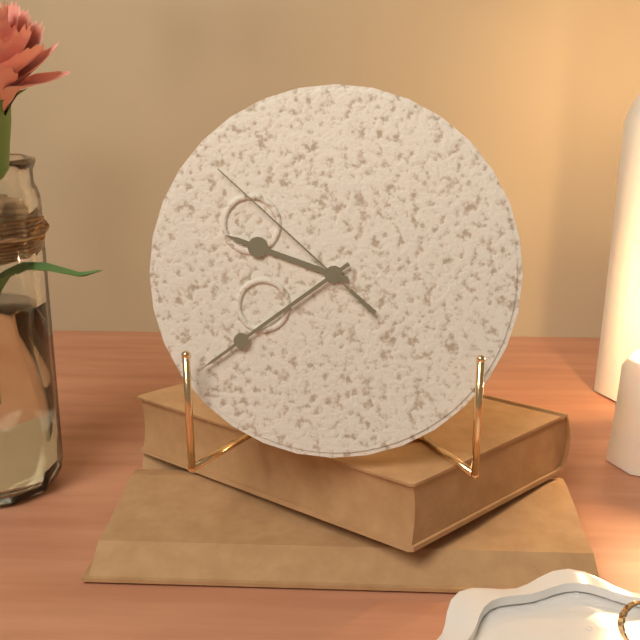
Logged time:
9h39m52s
